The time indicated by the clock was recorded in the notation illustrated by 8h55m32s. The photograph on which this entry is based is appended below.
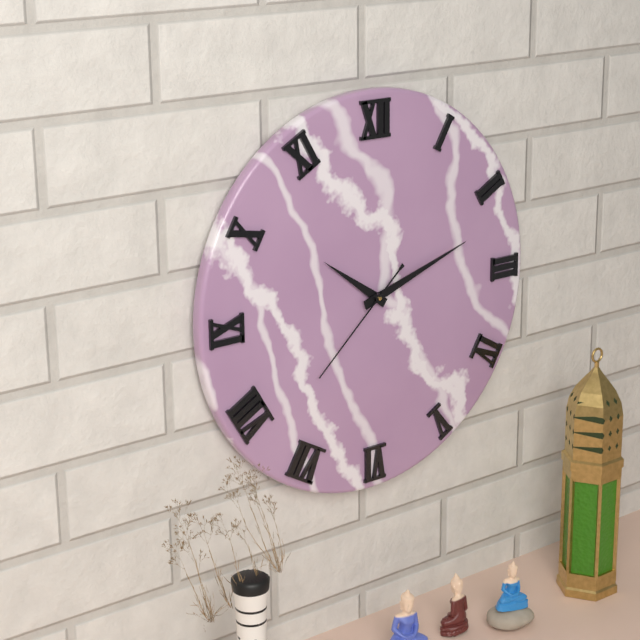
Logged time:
10h12m38s
